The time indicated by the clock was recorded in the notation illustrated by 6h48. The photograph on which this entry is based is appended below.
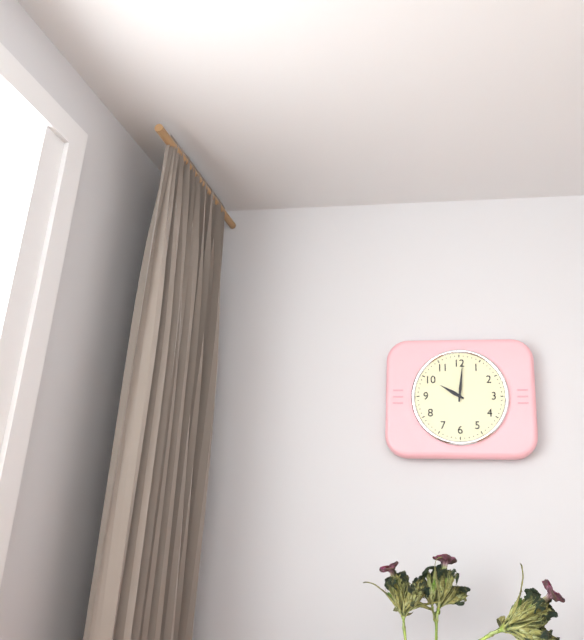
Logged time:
10h01
